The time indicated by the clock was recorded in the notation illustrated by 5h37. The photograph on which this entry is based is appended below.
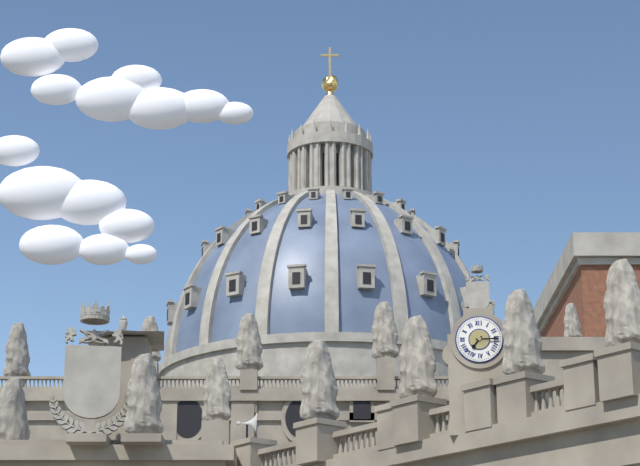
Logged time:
7h15
